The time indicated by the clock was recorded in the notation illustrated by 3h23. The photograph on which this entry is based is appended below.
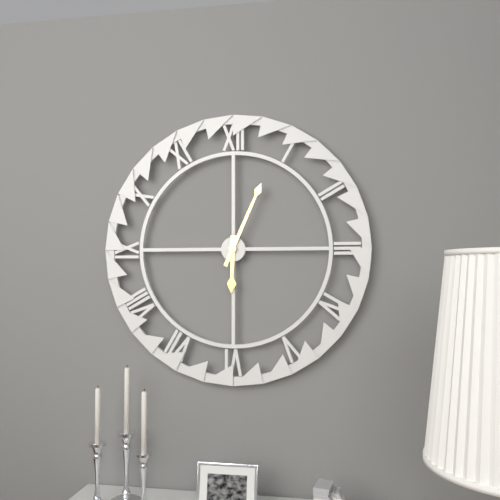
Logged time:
6h04
